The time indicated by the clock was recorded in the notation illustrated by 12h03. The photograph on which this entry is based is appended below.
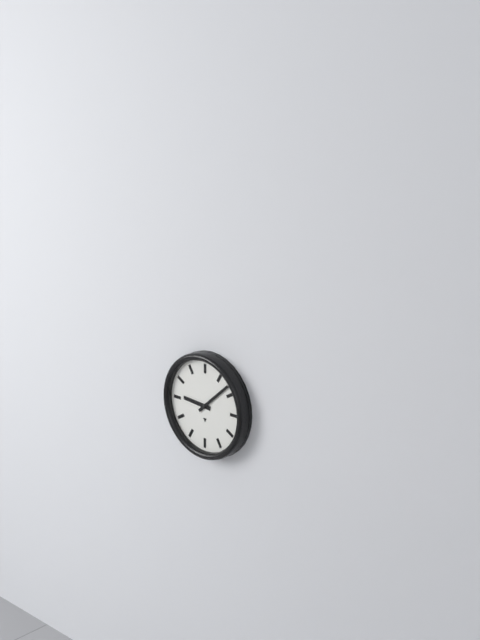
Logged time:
9h08
